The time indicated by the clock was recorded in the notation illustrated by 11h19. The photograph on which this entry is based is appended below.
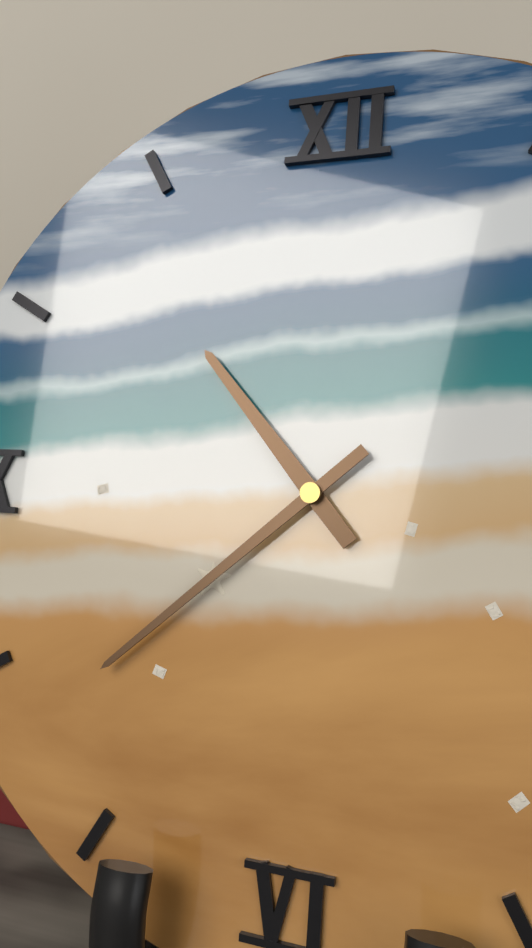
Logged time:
10h38
